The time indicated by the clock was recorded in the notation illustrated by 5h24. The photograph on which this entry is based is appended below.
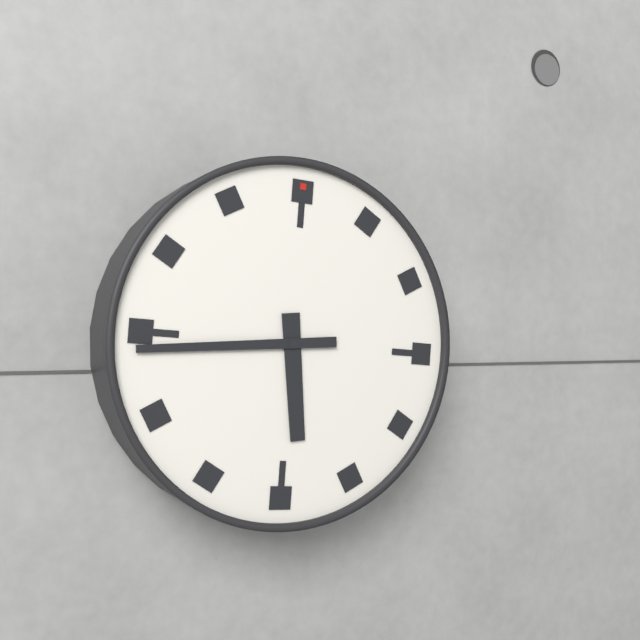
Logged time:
5h44
